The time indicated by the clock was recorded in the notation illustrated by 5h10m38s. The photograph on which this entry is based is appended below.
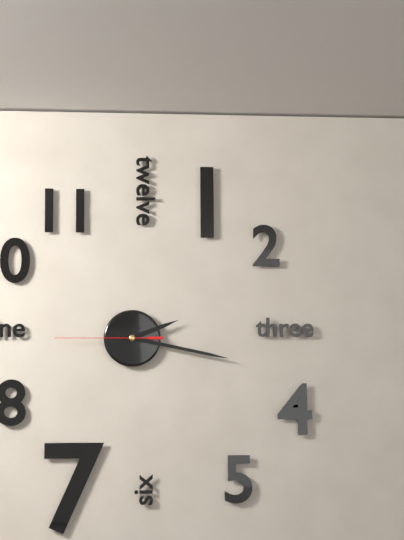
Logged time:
2h17m45s
